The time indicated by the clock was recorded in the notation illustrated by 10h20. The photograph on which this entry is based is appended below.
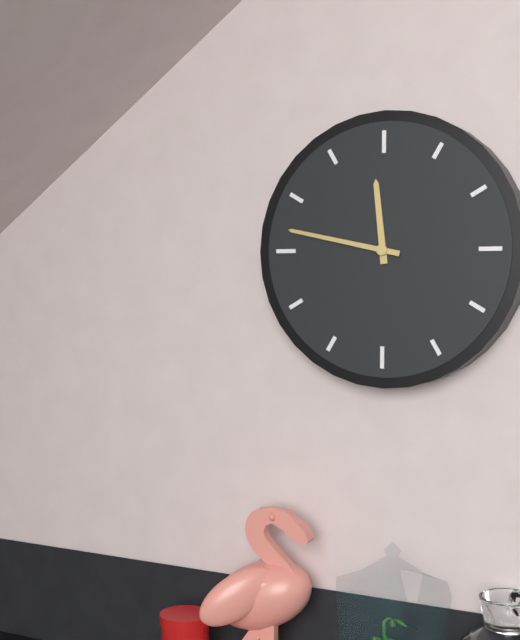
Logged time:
11h47
